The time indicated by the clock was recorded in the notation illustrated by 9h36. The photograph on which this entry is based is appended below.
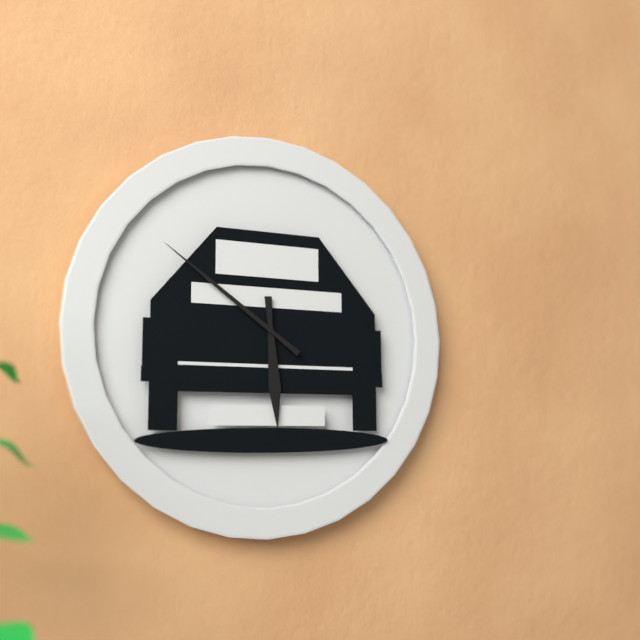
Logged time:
5h51
